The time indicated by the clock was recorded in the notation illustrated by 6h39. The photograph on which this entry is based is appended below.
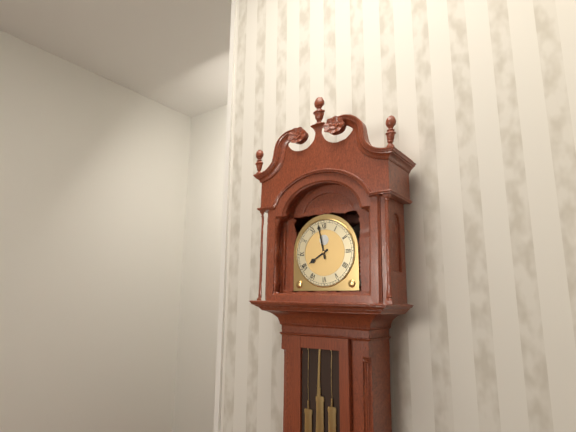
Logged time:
7h58
